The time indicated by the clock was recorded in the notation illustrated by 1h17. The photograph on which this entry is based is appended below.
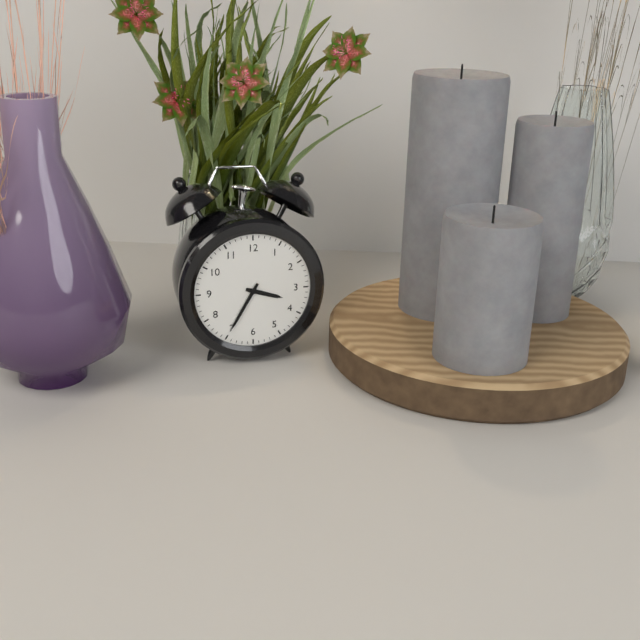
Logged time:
3h35
